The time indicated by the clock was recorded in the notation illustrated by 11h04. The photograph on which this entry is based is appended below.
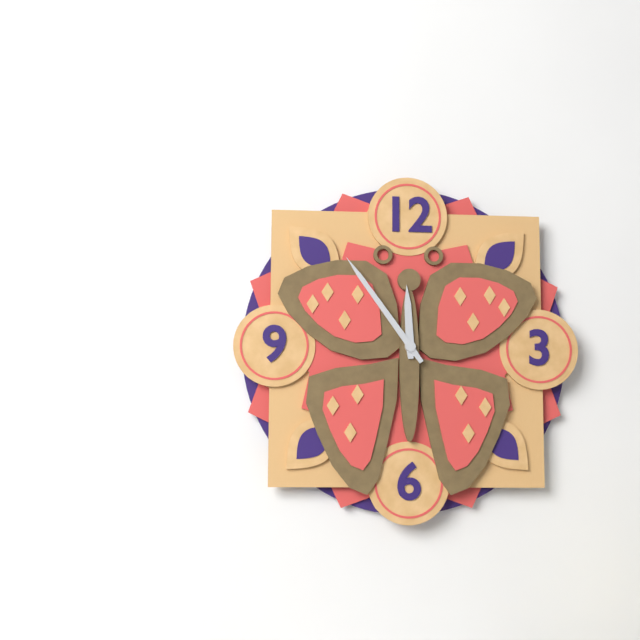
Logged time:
11h54
